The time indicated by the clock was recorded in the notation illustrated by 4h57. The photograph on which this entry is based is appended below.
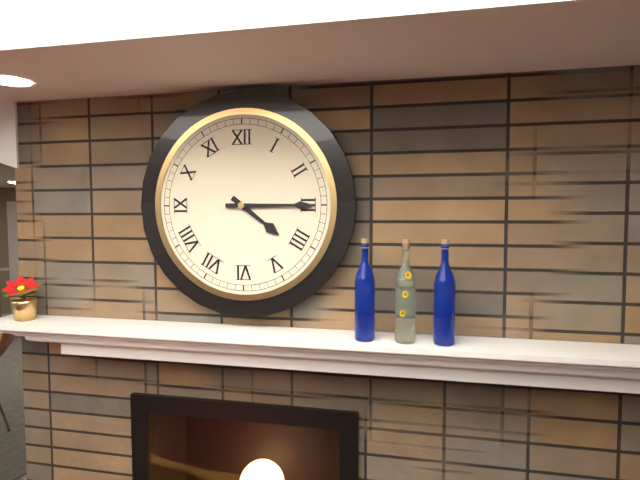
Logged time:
4h15
